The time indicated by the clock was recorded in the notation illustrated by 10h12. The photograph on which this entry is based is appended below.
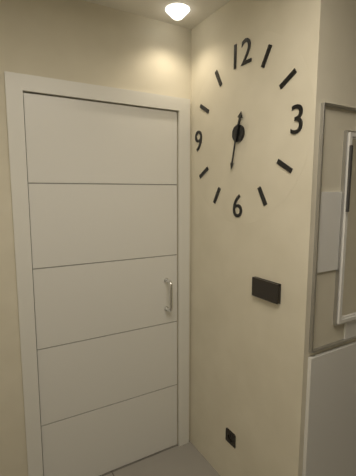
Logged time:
12h32
